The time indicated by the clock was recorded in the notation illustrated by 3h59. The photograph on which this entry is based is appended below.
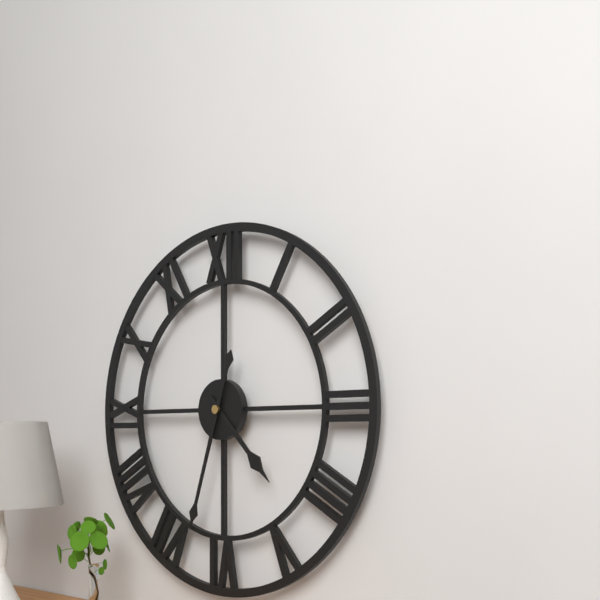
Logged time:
4h33
